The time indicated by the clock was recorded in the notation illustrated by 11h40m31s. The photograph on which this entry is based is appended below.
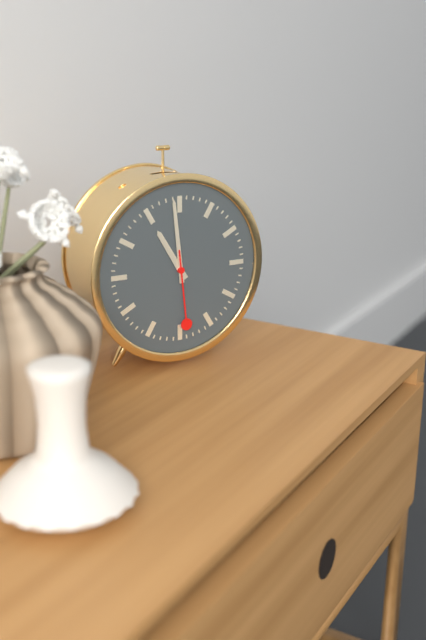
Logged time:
10h59m29s
